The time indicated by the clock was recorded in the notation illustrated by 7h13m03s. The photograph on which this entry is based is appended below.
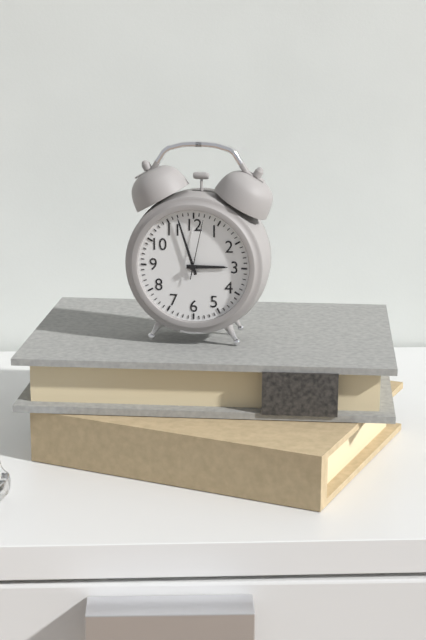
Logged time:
2h57m02s
